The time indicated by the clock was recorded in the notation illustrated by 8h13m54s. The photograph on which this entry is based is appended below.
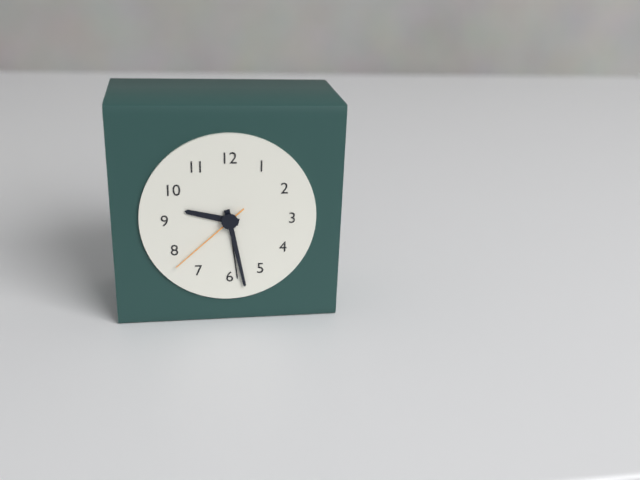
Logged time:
9h28m38s
